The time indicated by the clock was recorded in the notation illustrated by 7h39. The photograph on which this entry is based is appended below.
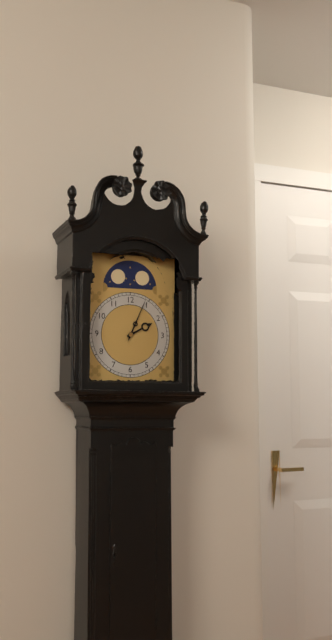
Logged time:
2h04
